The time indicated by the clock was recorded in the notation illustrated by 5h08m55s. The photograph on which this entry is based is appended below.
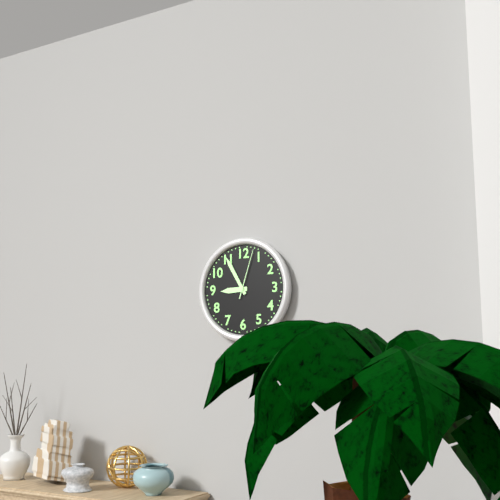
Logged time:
8h55m03s
